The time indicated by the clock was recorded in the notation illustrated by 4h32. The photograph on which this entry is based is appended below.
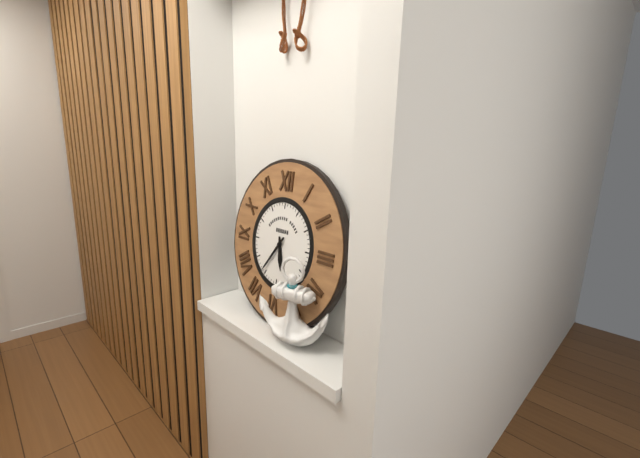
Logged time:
5h36
